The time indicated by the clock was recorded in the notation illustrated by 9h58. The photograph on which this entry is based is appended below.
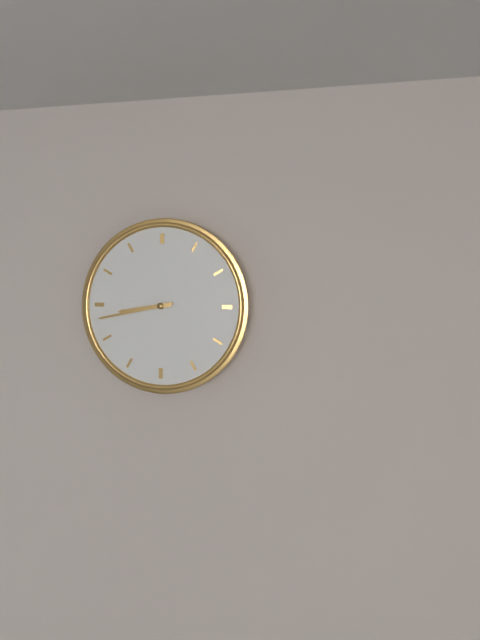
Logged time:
8h43
